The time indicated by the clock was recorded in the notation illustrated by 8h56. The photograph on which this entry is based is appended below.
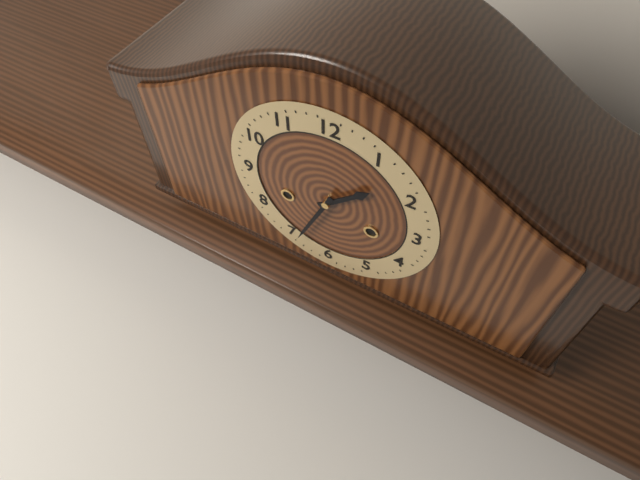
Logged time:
1h34
